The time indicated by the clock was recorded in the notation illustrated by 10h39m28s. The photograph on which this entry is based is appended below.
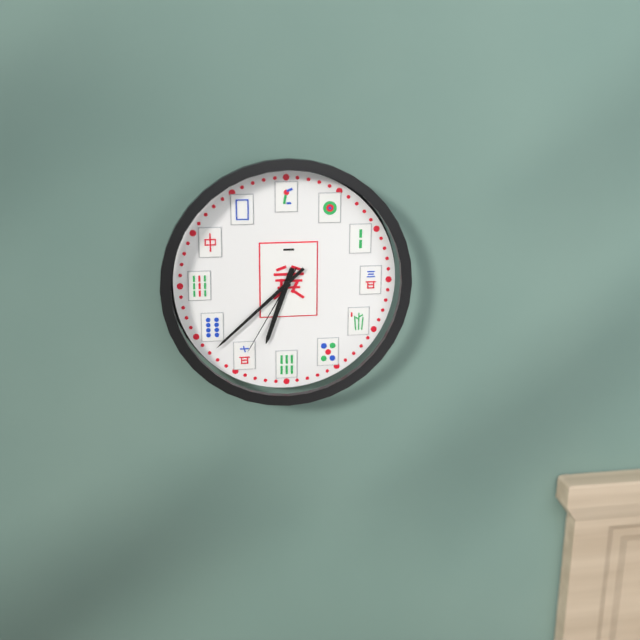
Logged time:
6h38m35s
